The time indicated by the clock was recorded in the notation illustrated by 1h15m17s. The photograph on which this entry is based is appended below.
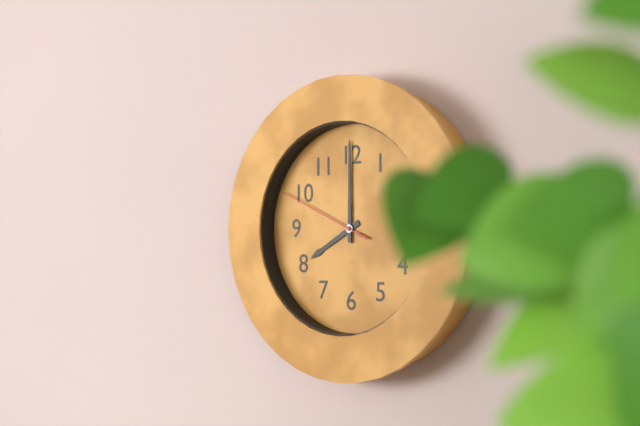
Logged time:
8h00m49s
